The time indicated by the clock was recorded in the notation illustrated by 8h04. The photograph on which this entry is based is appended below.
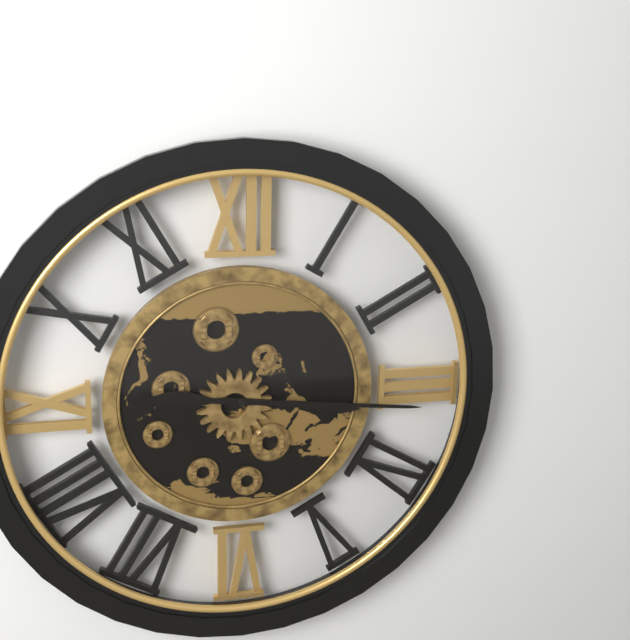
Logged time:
3h16
